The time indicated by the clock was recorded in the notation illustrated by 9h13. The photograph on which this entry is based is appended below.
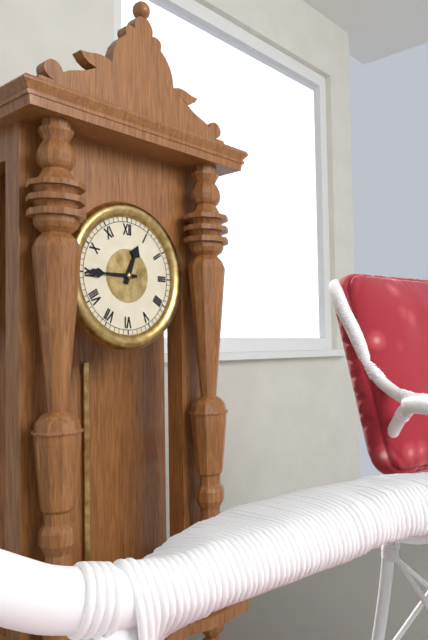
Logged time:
12h45
